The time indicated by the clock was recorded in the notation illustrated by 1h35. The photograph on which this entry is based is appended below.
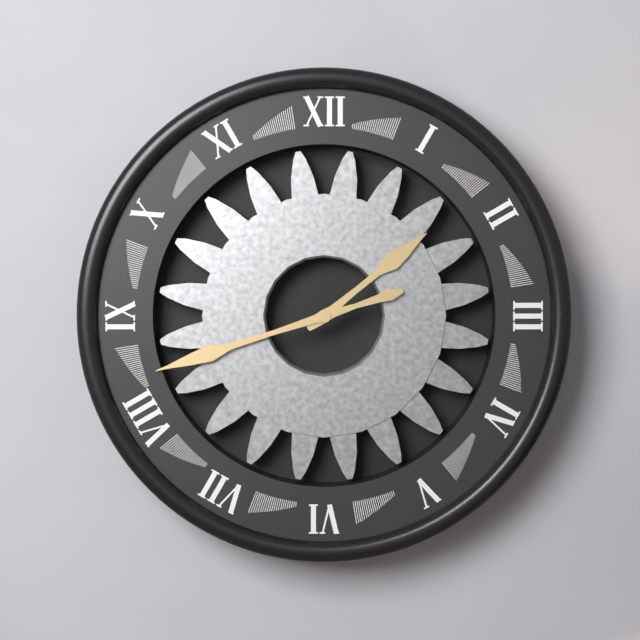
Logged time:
1h42
